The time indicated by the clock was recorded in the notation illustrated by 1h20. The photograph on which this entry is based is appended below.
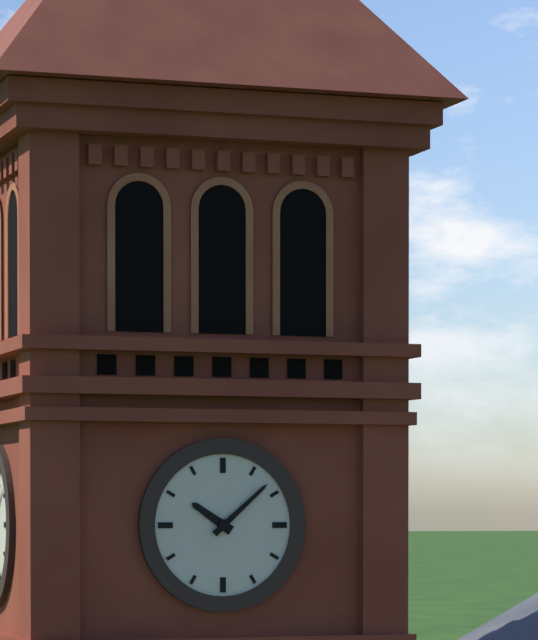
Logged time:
10h08
